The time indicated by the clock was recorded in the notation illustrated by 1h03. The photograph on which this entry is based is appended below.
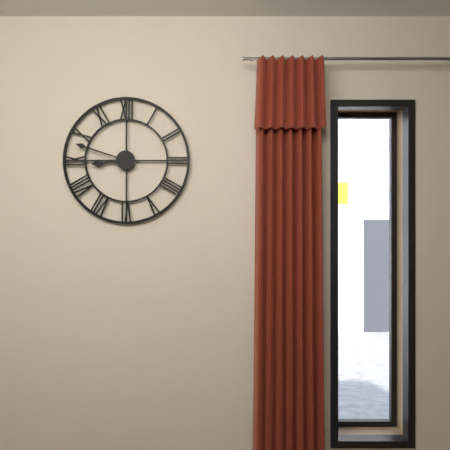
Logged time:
8h48
